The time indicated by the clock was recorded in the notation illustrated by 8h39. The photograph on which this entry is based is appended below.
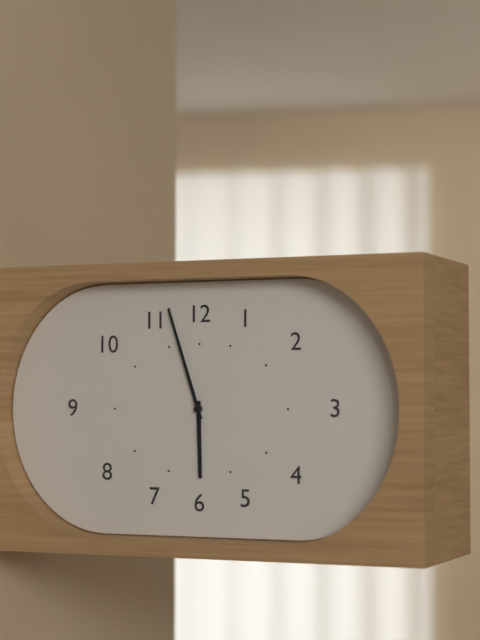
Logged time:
5h57
